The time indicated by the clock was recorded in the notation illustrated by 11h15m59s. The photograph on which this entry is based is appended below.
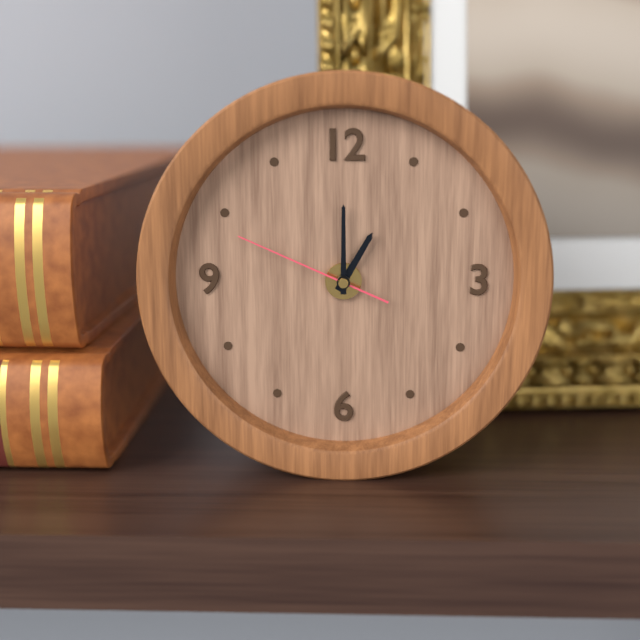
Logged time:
1h00m49s
